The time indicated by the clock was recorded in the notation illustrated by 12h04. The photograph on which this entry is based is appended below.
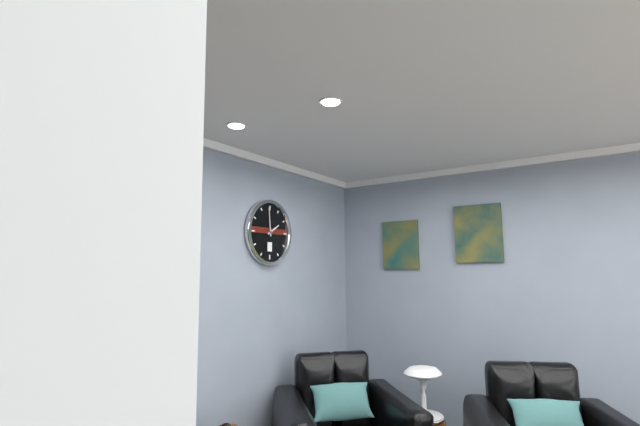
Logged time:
1h59
